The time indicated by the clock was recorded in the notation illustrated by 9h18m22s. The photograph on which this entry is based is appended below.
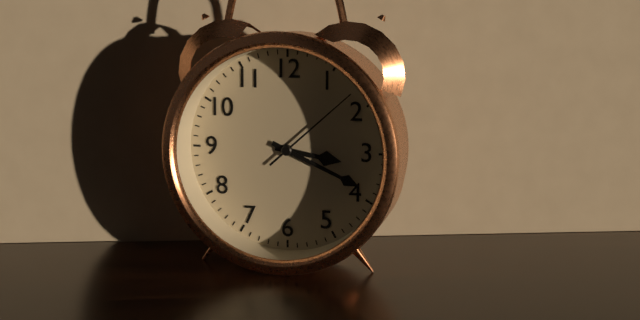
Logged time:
3h19m08s
